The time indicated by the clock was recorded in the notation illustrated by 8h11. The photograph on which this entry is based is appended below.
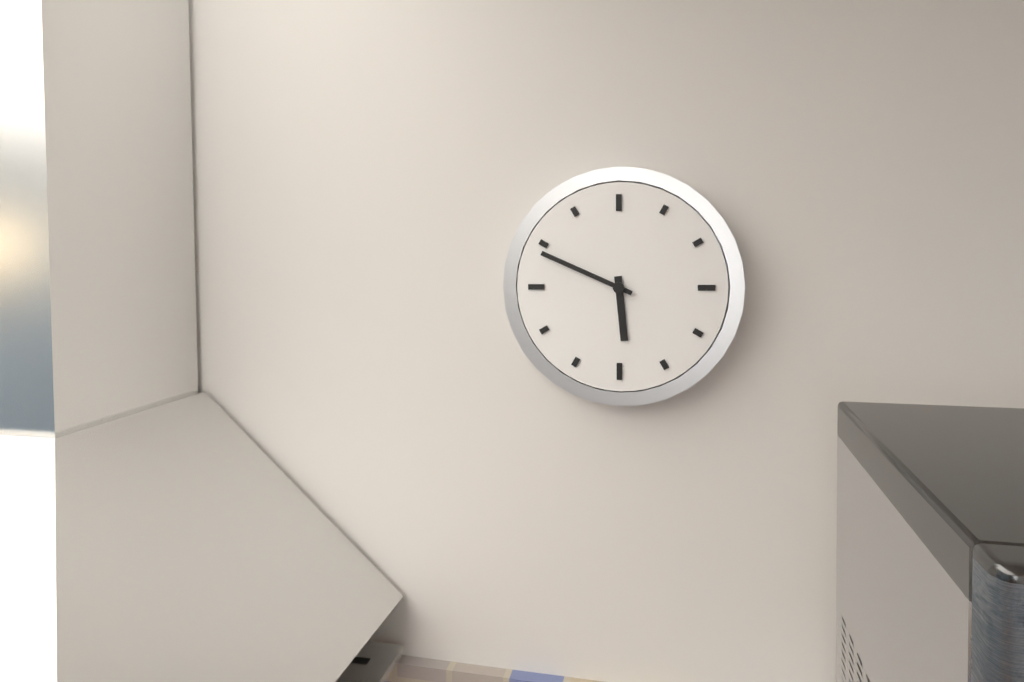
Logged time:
5h49
